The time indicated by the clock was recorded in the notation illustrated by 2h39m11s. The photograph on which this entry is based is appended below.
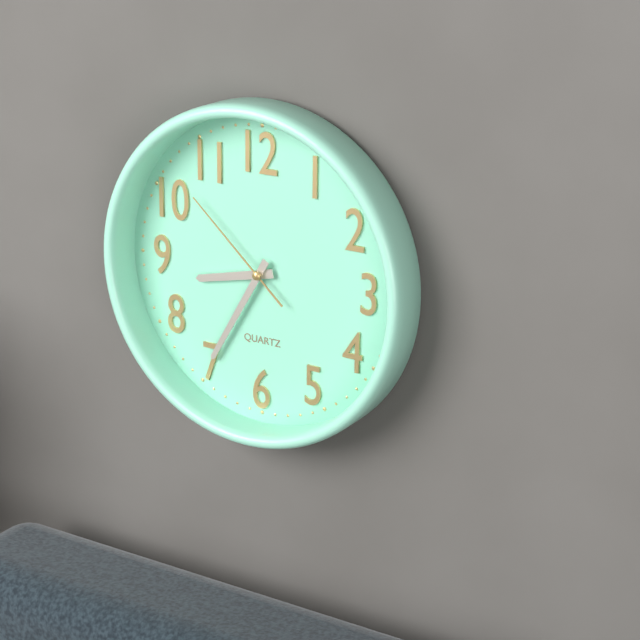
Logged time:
8h35m52s
